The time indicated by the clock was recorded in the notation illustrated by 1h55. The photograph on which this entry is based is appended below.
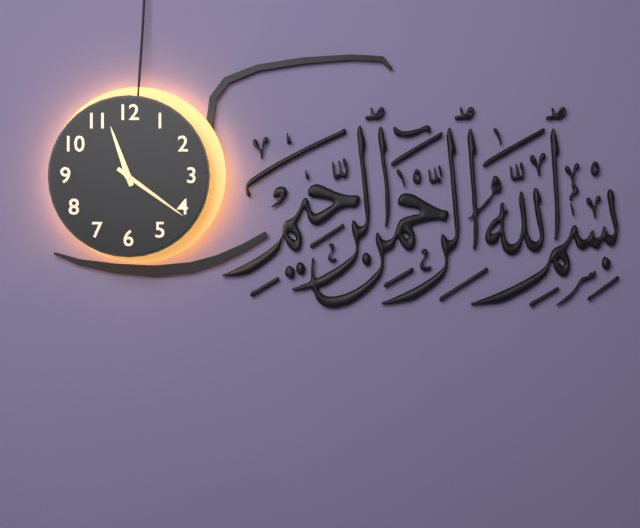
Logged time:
11h21
